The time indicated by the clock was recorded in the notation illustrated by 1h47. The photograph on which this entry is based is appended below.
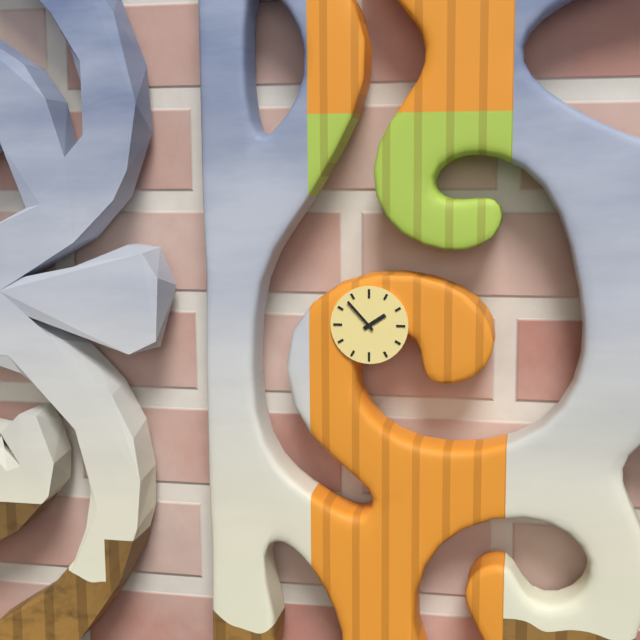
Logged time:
1h53
